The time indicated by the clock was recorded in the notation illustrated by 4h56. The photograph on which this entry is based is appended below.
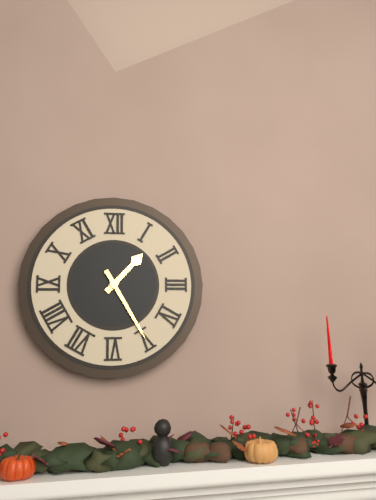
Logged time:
1h25
